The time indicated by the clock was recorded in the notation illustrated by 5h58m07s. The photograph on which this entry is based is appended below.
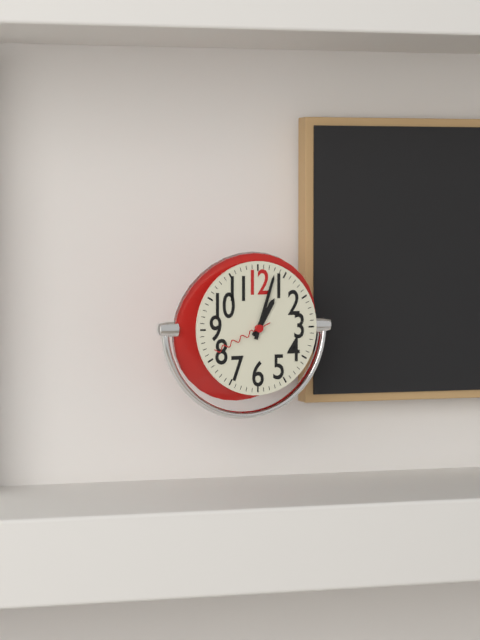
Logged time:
1h03m41s
